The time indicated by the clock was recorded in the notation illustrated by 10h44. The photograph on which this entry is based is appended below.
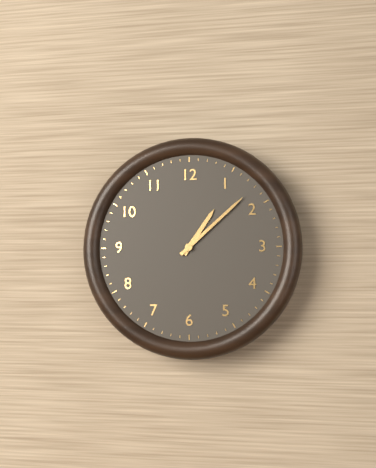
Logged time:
1h08
